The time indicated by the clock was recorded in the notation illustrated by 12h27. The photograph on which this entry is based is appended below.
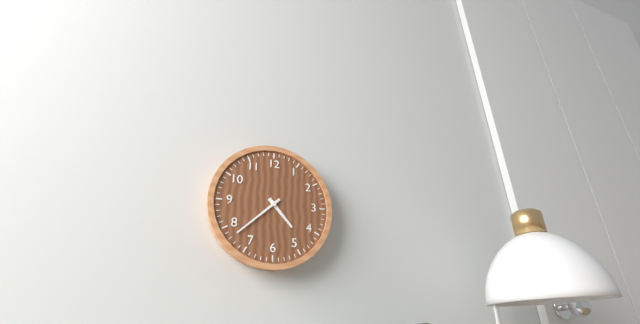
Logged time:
4h38
